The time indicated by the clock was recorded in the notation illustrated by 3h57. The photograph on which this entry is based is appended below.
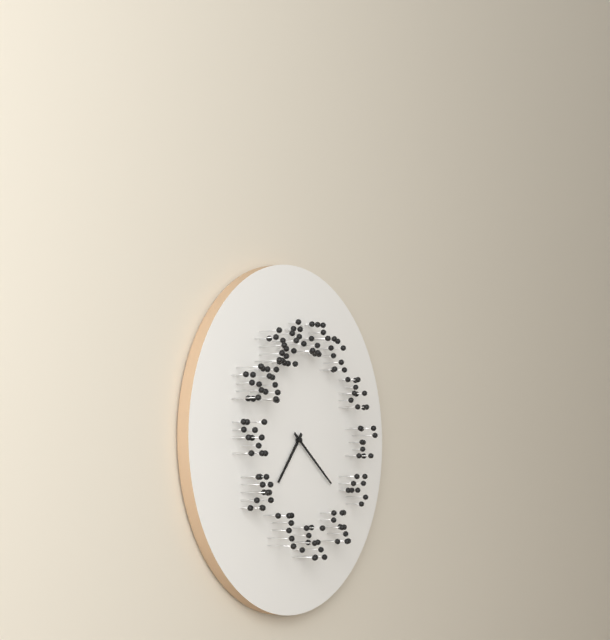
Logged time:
7h21
